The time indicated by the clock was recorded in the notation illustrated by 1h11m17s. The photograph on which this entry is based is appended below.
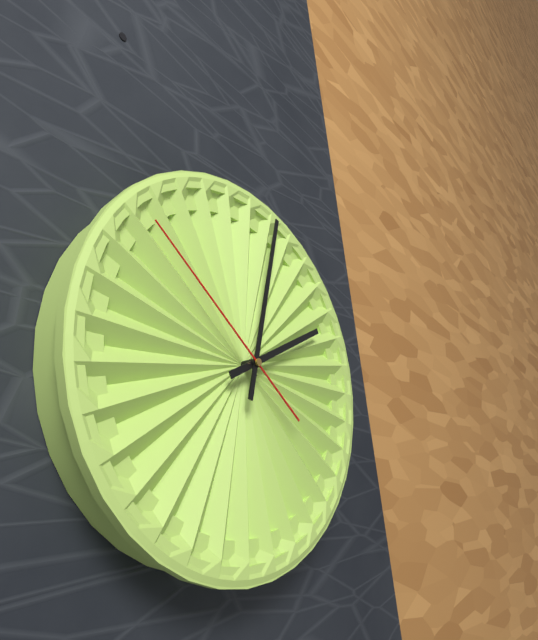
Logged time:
2h02m51s
